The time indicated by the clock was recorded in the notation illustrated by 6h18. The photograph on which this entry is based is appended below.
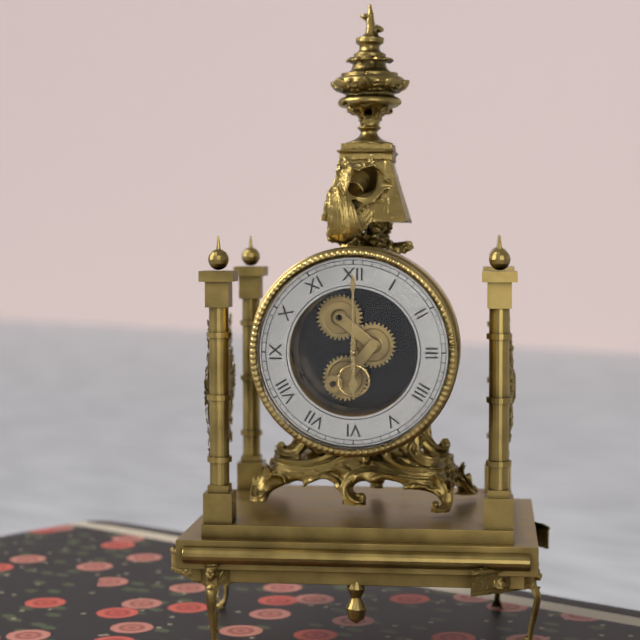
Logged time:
6h00
